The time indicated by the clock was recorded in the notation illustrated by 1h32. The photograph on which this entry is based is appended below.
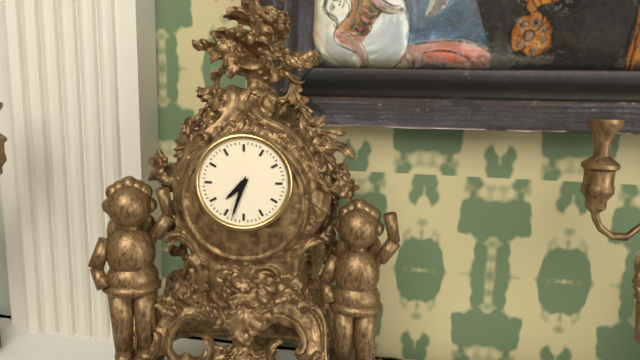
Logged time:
7h33
